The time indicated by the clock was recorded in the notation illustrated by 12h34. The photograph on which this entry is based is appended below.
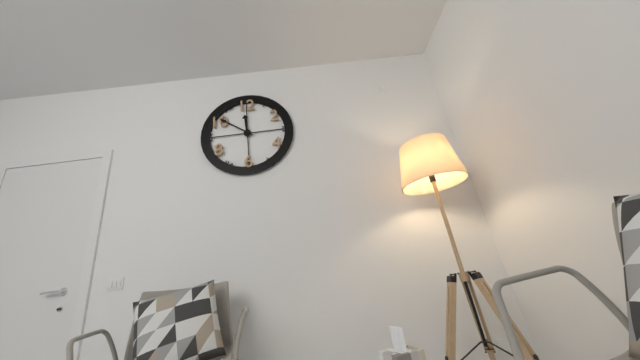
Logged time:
11h51
